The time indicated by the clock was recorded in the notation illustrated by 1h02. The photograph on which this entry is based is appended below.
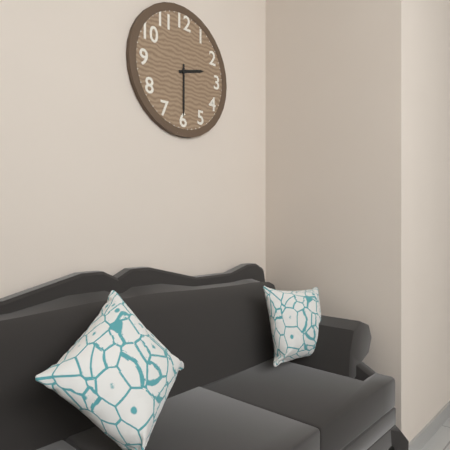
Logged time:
2h30
